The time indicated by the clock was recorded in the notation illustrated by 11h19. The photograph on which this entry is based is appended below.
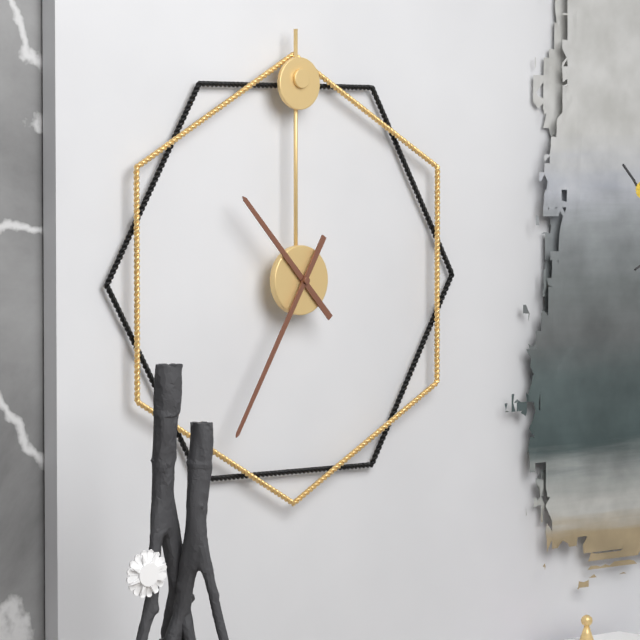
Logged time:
10h35
